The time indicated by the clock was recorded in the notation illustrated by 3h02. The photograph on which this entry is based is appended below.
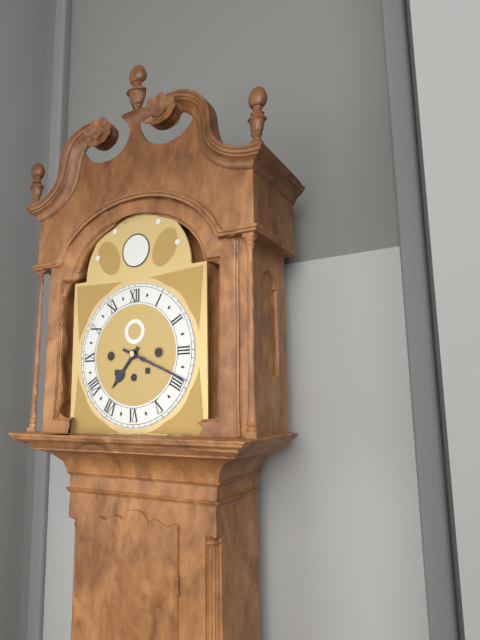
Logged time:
7h19
